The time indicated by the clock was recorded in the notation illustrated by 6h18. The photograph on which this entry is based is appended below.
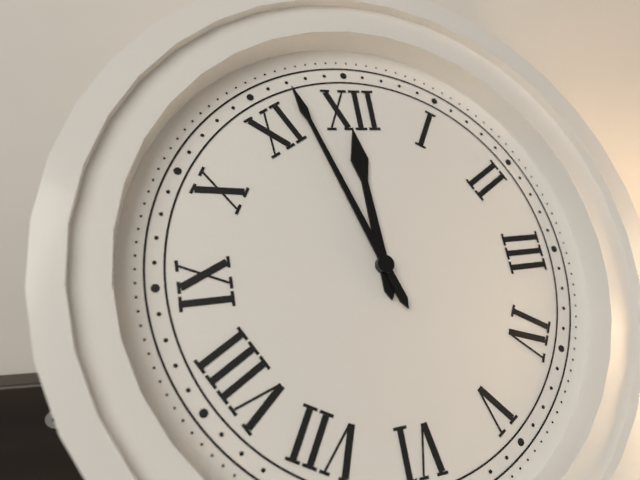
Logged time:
11h57
